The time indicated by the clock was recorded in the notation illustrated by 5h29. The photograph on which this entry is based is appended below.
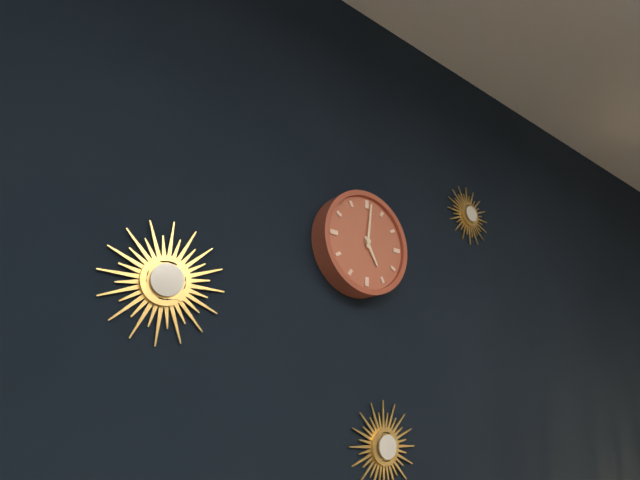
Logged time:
5h01
